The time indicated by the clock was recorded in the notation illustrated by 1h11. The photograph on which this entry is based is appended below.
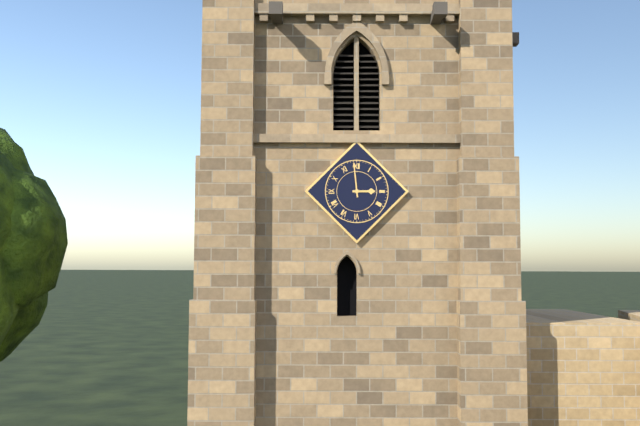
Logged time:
2h59
